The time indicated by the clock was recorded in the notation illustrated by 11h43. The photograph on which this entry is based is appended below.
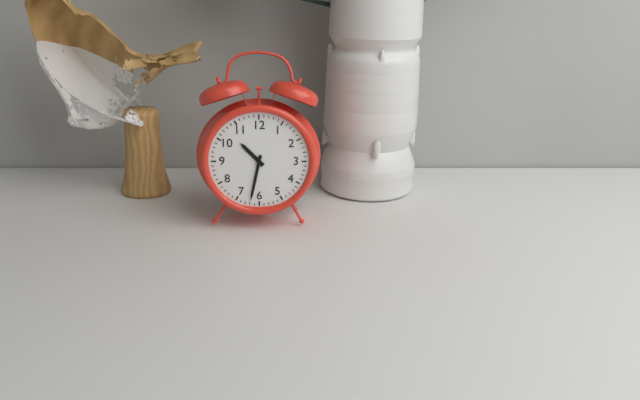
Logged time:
10h32
